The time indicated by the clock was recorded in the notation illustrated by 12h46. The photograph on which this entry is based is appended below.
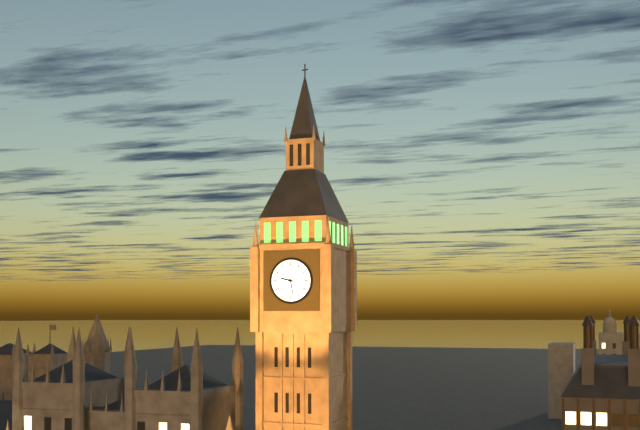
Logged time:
9h28
